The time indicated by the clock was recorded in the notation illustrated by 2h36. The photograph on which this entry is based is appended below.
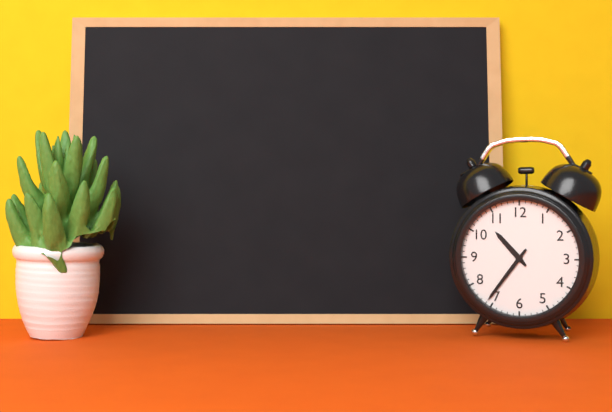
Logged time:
10h36
